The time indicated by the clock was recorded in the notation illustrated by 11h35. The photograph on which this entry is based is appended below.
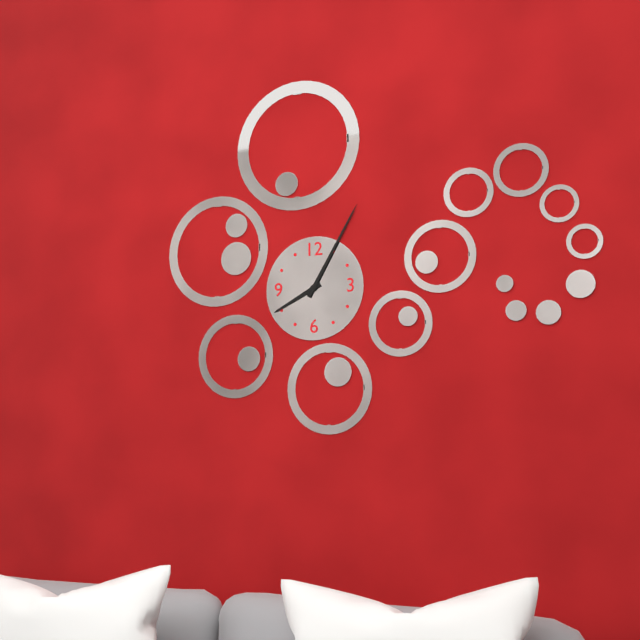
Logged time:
8h05
